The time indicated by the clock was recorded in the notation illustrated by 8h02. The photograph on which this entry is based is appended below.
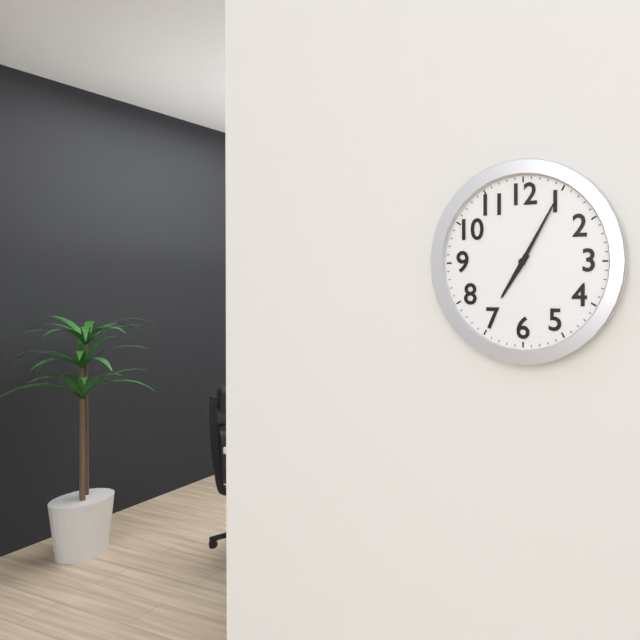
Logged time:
7h05
